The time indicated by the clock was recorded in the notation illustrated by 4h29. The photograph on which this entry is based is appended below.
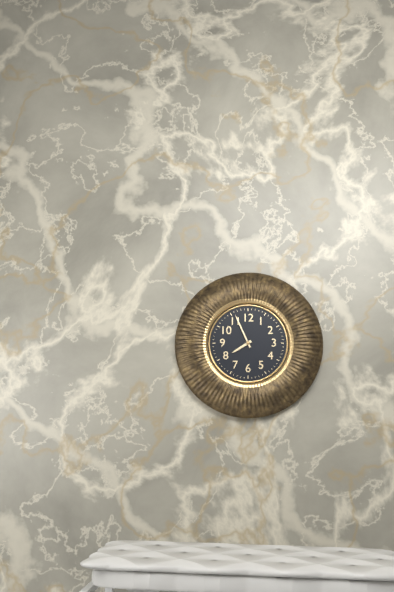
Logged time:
7h56
